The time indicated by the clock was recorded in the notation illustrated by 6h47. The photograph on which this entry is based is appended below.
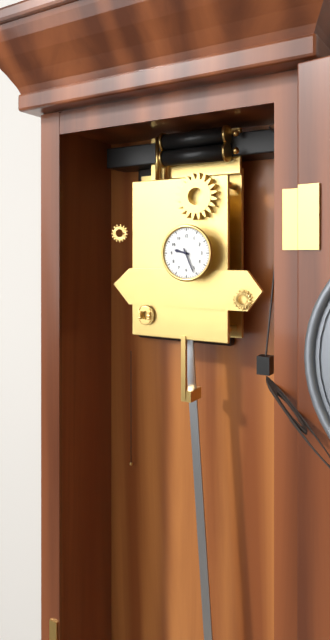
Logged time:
9h26
